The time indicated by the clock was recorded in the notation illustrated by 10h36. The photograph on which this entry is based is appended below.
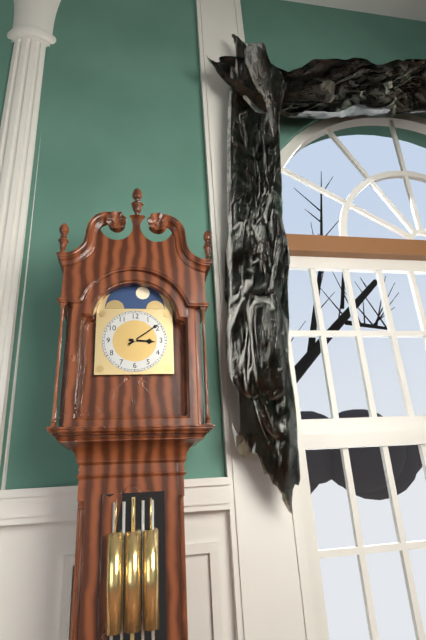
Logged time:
3h09
